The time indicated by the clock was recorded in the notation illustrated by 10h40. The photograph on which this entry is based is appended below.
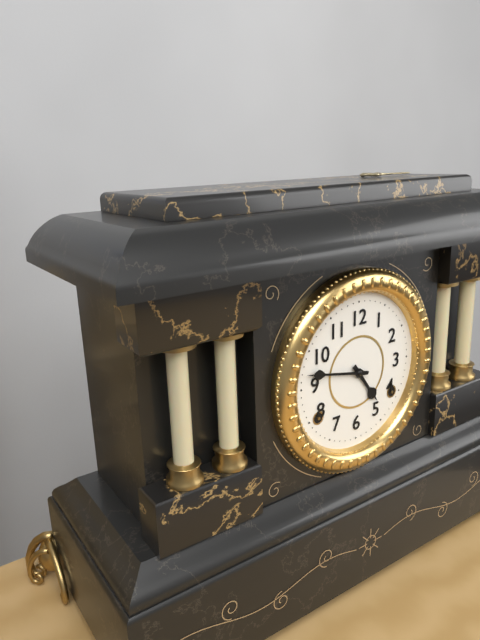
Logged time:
4h47
